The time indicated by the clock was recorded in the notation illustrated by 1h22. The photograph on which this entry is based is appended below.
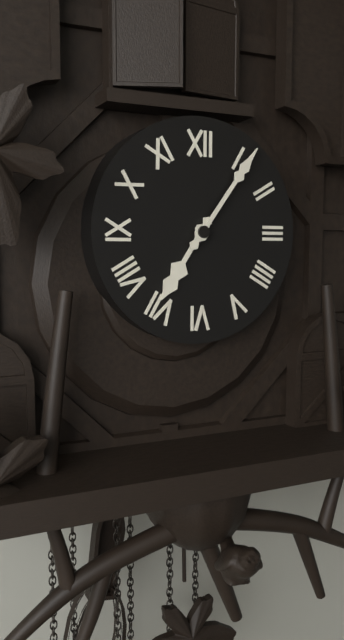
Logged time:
7h06
